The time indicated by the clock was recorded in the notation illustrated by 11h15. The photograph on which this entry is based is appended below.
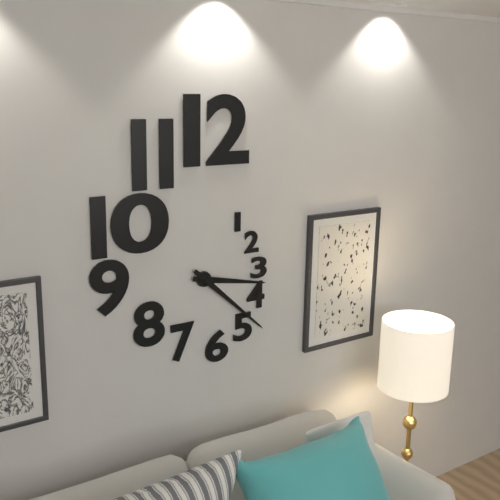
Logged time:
3h22
